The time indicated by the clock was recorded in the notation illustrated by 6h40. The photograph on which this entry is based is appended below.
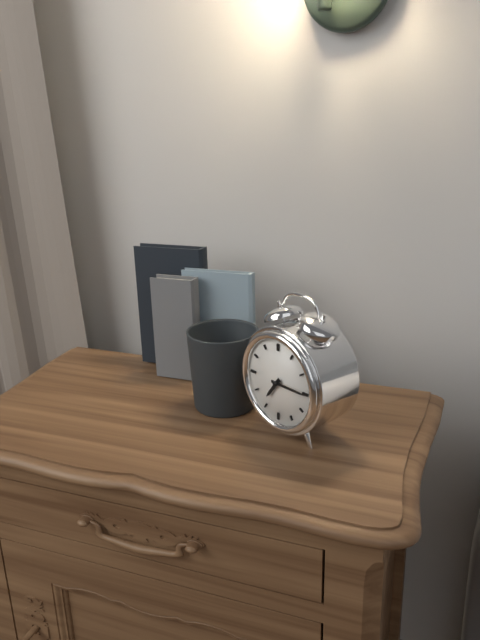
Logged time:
7h15
